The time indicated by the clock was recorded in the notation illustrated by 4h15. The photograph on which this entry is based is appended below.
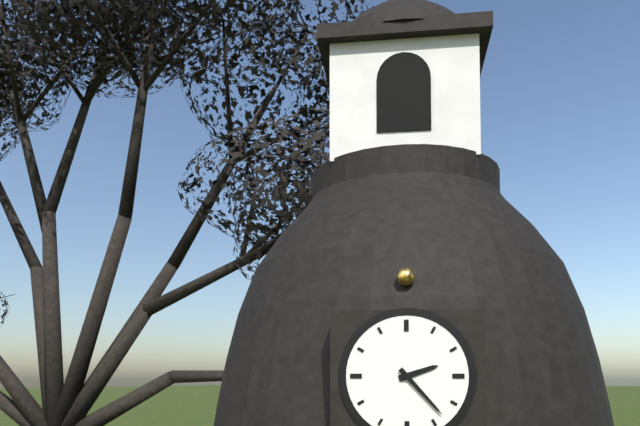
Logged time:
2h23
